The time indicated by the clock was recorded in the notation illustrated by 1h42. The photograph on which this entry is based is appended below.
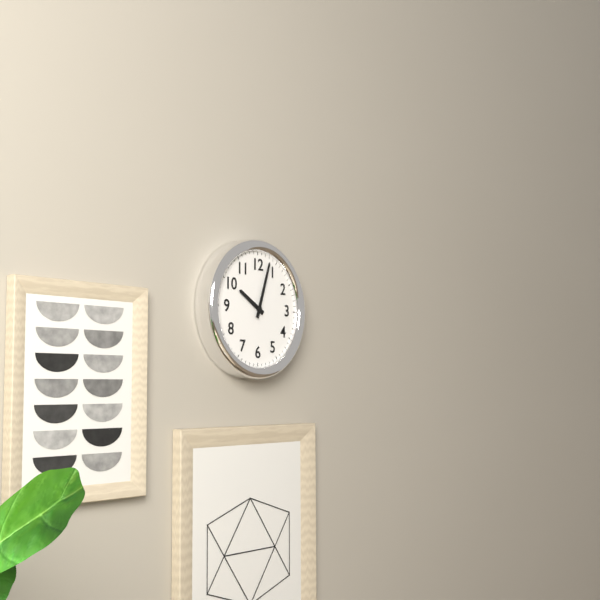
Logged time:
10h03
